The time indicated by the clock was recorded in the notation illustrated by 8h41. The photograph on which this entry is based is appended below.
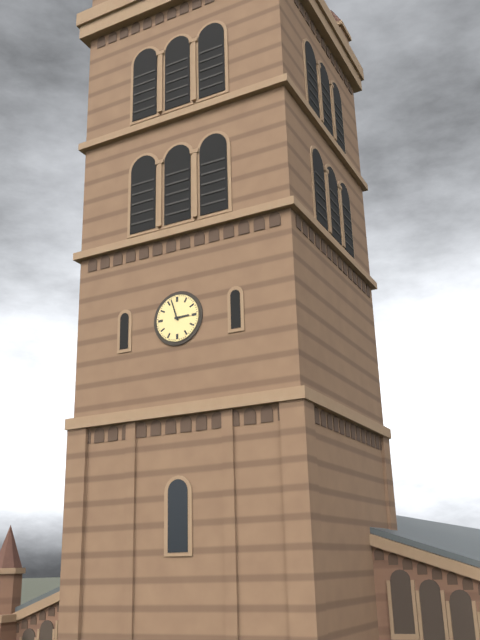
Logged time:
2h57
